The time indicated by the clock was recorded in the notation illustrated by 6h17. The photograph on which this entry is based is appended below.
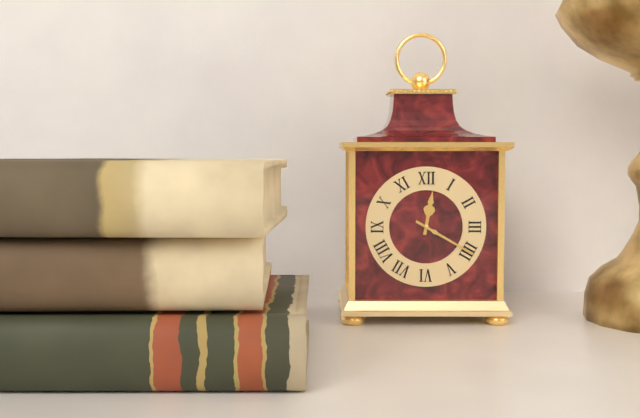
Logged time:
12h20
